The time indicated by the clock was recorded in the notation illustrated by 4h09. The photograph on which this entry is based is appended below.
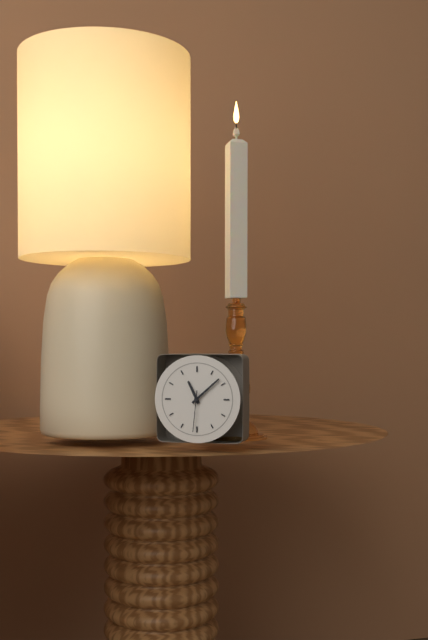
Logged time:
11h08
